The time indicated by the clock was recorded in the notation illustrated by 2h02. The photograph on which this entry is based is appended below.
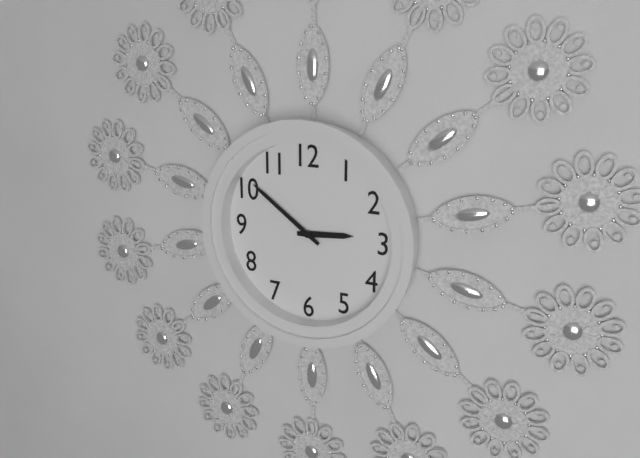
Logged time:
2h51
